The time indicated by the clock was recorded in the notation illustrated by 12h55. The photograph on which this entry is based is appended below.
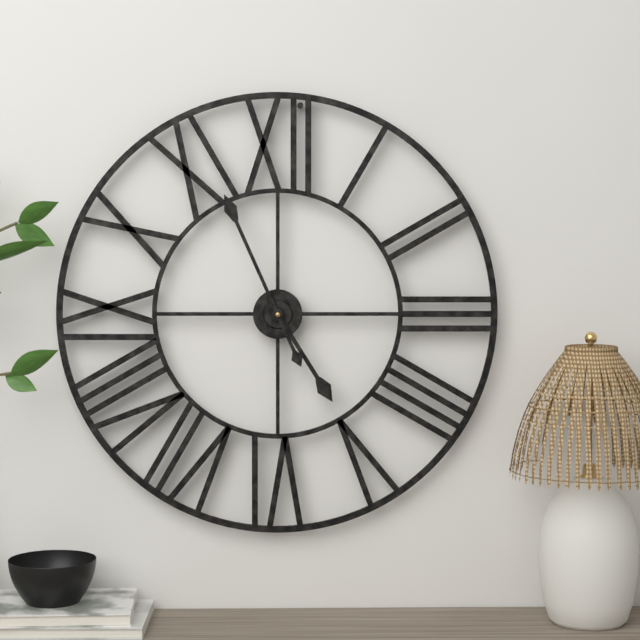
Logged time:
4h56
